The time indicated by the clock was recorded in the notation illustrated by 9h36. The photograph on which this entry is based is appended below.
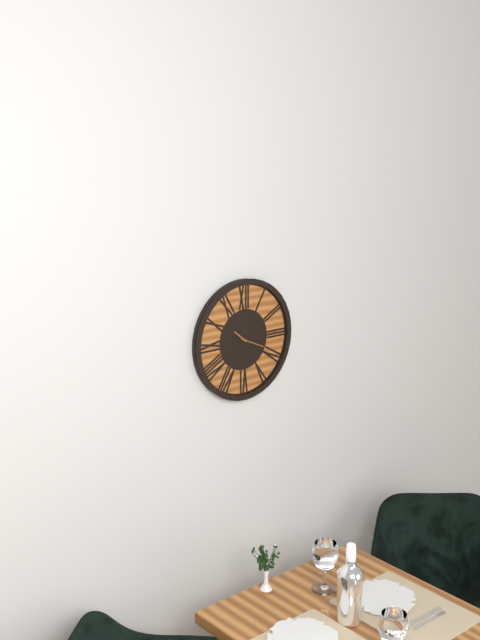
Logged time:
10h19
